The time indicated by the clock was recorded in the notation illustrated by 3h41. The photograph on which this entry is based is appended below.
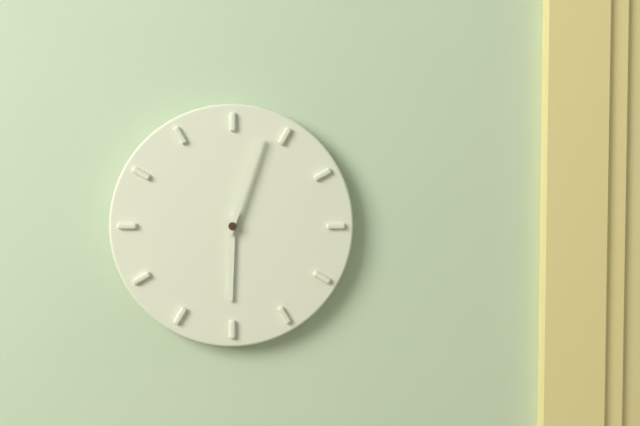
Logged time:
6h03
